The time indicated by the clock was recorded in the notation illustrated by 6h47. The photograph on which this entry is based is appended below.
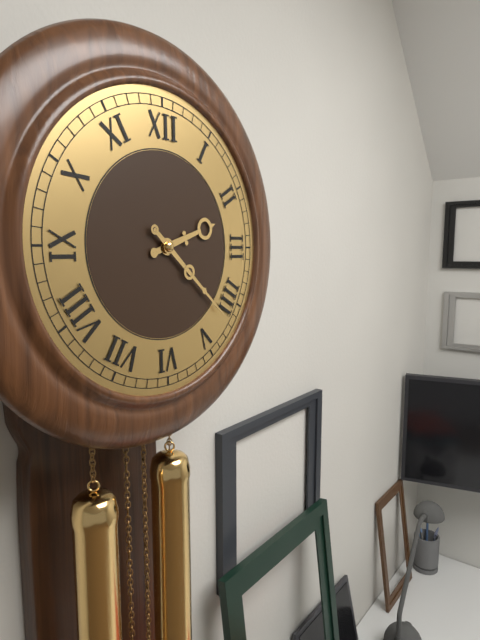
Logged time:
2h22
